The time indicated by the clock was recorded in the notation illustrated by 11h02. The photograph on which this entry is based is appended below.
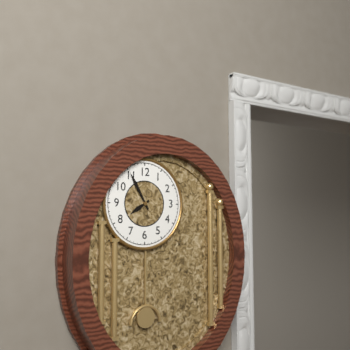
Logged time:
7h55
